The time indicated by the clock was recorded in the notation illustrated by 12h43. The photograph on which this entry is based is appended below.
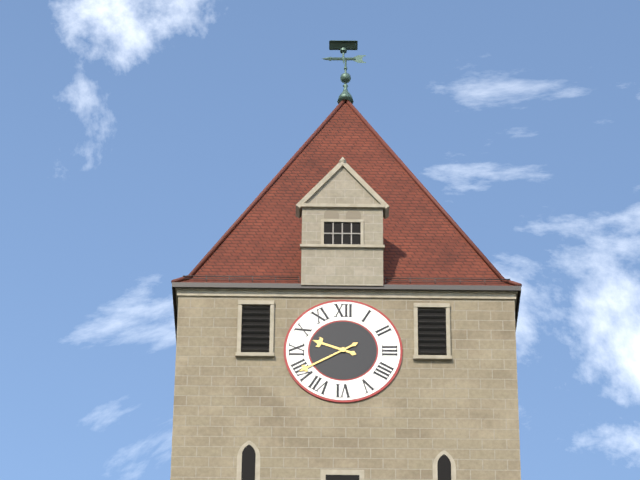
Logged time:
9h40
